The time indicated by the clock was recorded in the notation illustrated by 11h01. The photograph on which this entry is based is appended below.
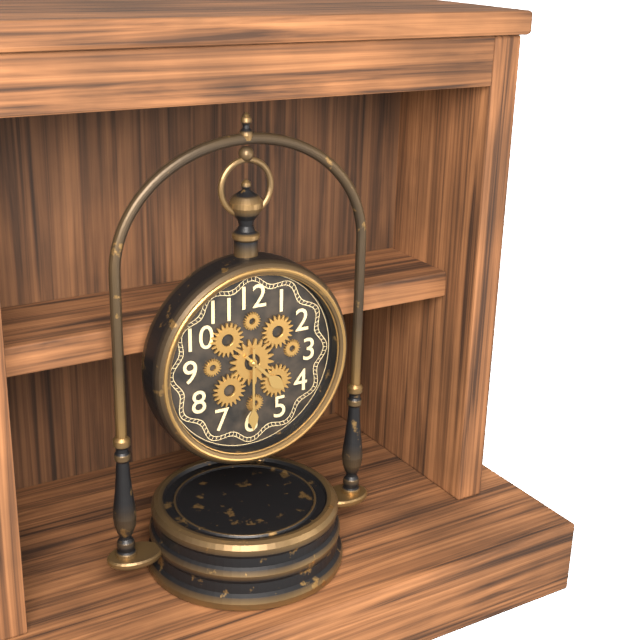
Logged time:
4h30
